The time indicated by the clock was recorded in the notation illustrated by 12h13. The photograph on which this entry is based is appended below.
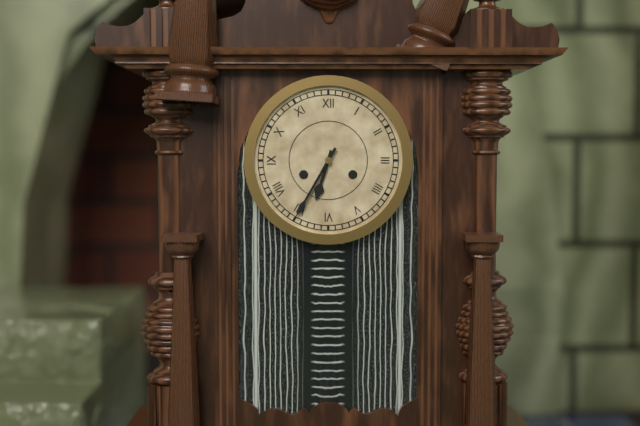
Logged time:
6h35
